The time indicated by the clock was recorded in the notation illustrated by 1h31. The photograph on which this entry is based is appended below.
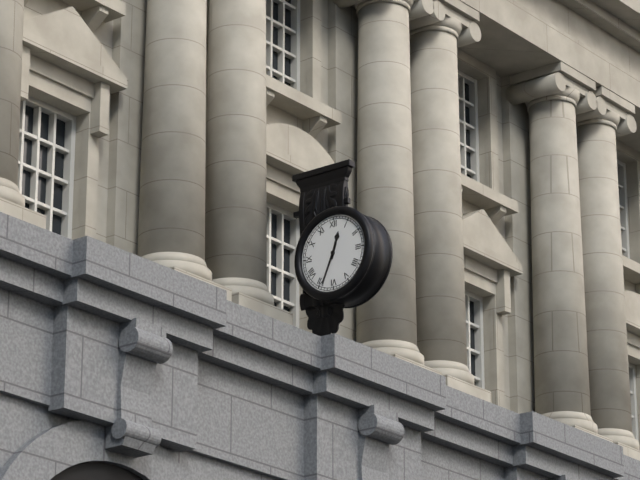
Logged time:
12h34
